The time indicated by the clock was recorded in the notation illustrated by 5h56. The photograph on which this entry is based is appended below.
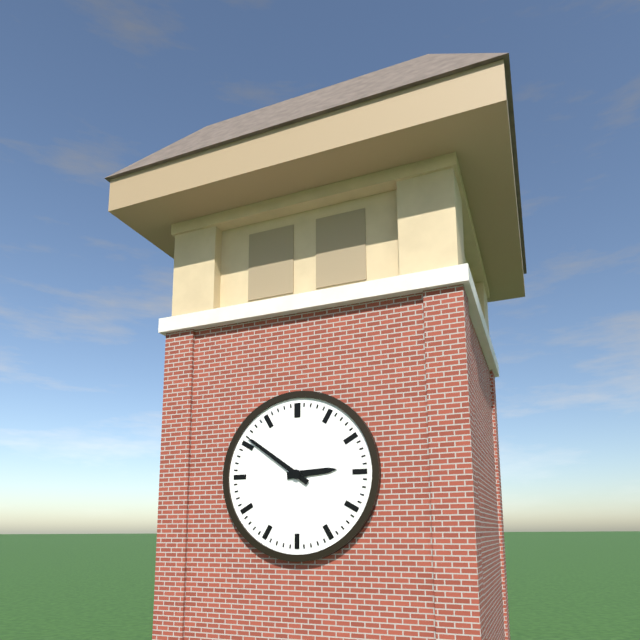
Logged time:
2h51
